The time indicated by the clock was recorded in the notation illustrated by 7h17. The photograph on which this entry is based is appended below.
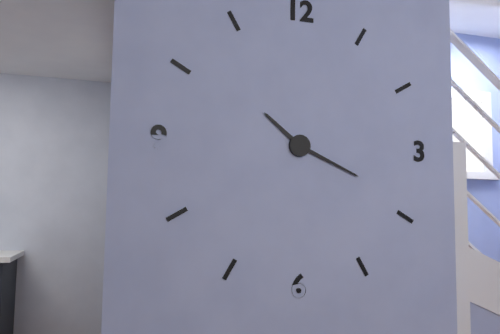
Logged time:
10h19
